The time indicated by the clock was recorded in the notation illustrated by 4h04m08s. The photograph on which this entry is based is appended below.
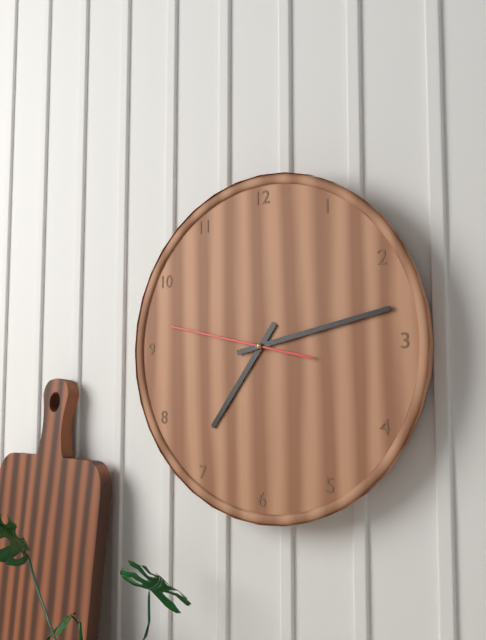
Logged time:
7h13m47s
